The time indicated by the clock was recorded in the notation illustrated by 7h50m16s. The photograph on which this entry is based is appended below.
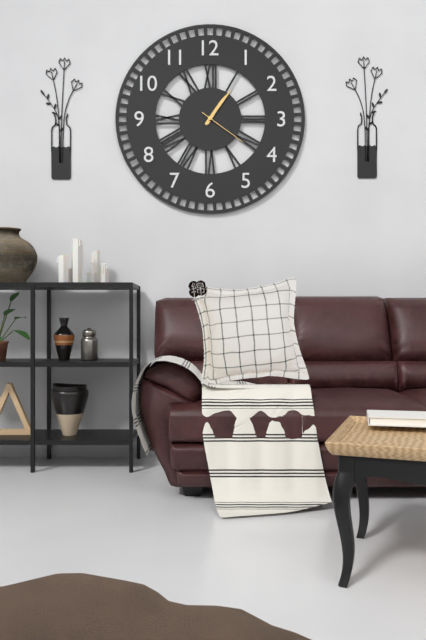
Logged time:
1h06m21s
